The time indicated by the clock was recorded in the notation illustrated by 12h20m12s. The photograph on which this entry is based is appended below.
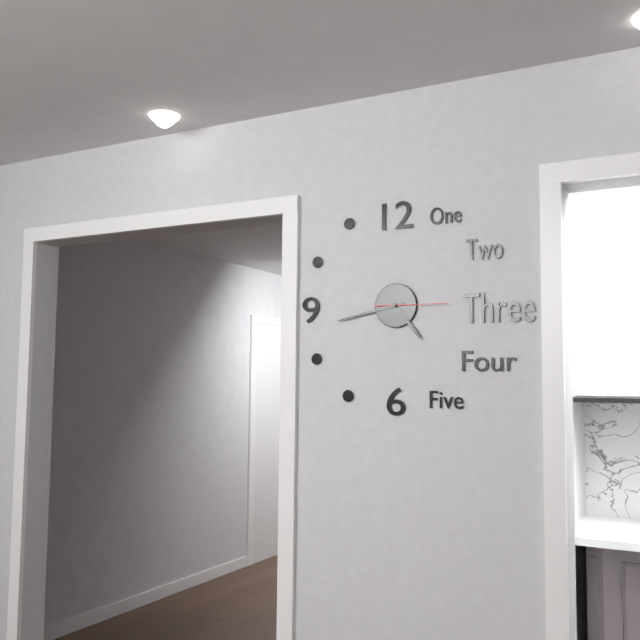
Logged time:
4h43m15s
